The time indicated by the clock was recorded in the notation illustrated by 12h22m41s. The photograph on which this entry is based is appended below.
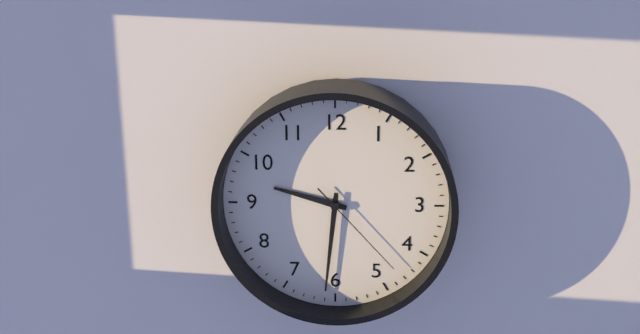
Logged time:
9h31m23s
